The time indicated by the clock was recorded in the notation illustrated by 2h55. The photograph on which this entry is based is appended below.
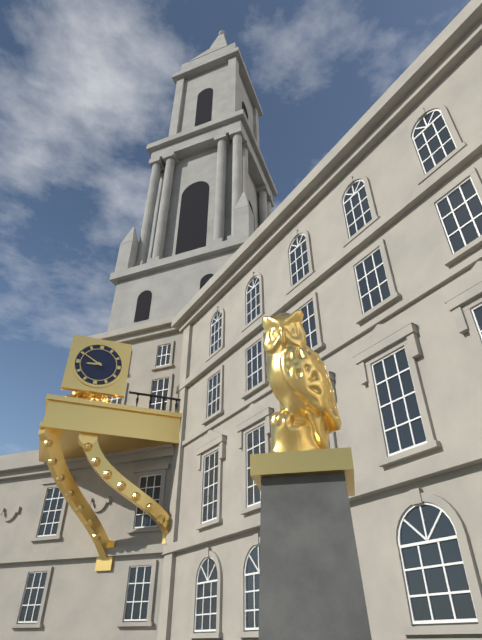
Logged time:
8h50
